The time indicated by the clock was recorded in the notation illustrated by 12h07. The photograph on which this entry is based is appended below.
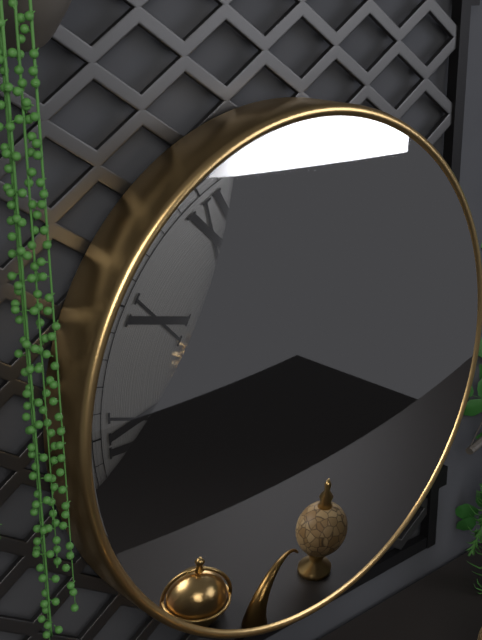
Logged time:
1h56
